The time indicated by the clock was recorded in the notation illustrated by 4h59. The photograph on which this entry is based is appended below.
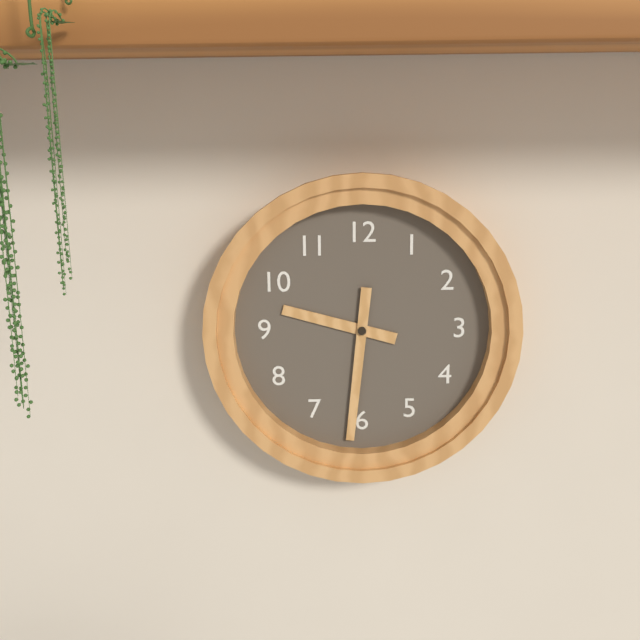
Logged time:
9h31
